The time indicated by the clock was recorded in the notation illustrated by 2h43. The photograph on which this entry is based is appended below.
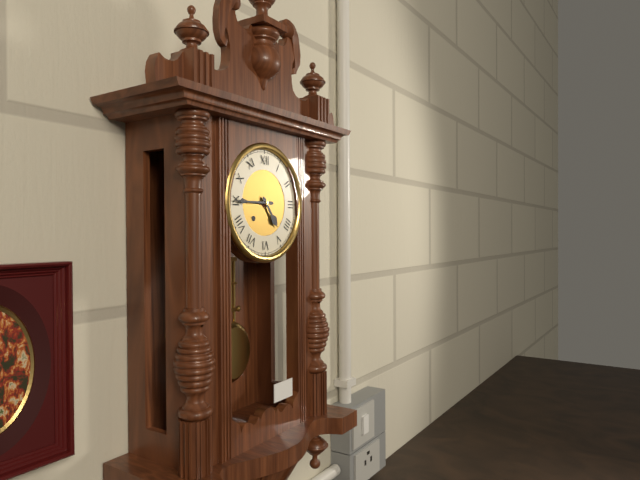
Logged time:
4h45
